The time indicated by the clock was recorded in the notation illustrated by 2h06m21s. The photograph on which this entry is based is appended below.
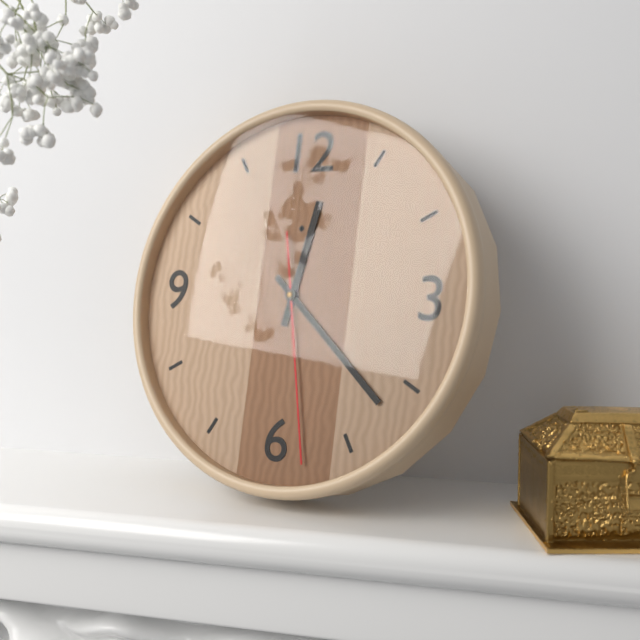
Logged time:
12h22m28s
